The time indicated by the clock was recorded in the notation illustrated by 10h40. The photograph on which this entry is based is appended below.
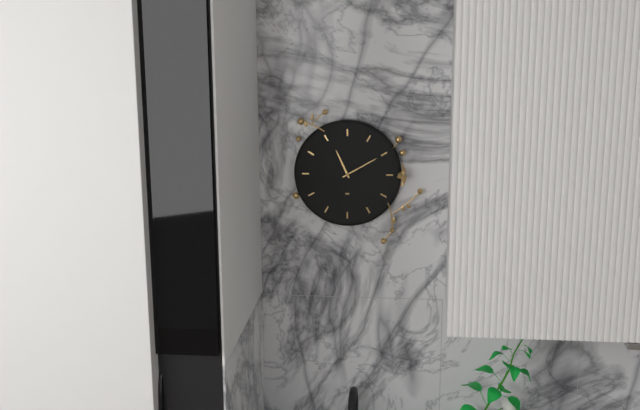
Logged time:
11h10
